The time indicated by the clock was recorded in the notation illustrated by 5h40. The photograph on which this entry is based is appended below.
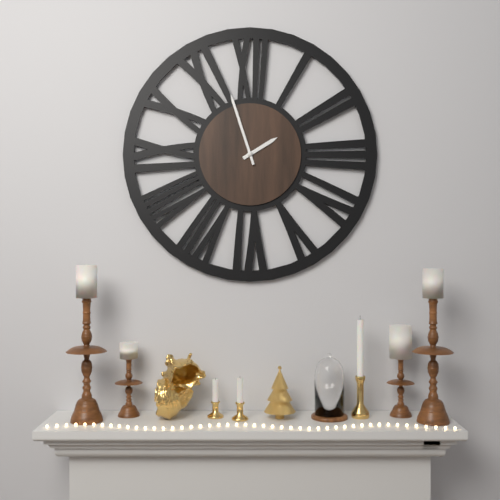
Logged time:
1h57
